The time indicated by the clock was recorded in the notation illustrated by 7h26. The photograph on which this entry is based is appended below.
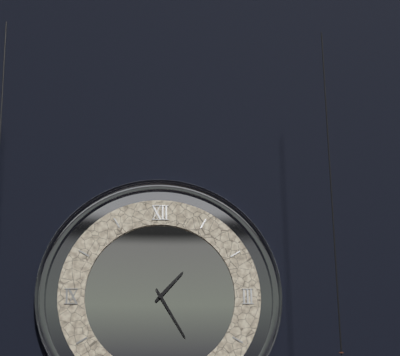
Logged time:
1h25
